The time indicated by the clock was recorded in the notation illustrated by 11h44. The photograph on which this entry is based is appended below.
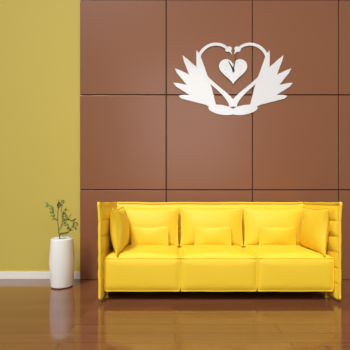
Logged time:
11h02
